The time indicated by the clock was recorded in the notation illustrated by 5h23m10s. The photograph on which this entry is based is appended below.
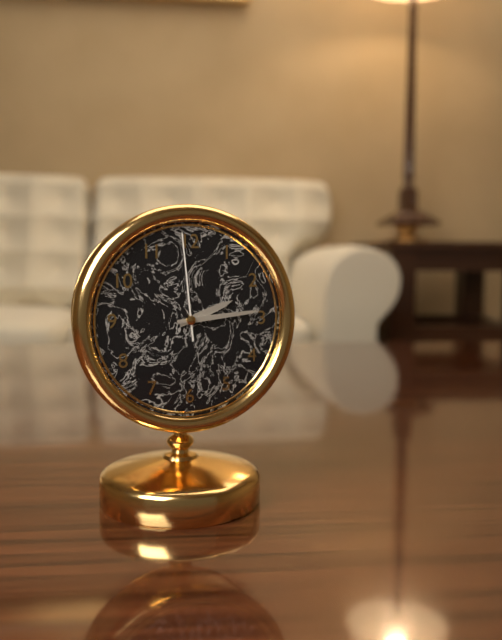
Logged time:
2h14m59s
